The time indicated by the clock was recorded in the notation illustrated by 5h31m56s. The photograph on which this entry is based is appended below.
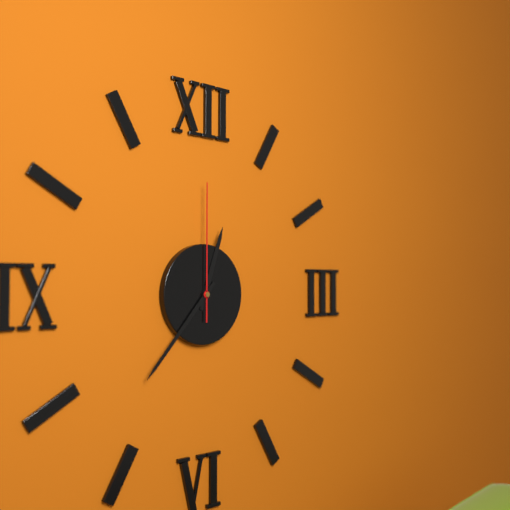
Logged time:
12h37m00s
